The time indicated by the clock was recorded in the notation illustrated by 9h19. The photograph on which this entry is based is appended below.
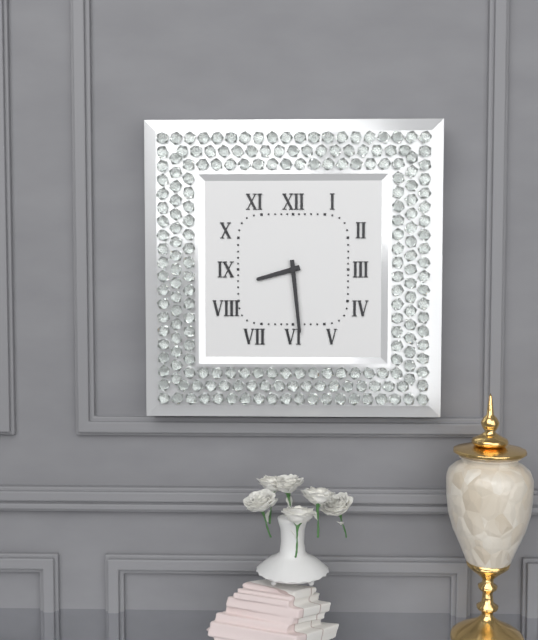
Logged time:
8h29
